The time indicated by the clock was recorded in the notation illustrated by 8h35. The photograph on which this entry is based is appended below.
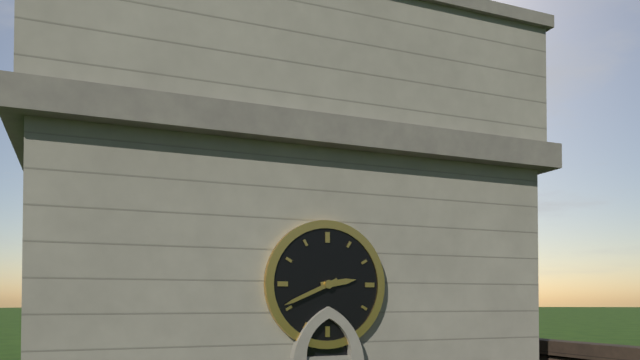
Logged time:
2h41
